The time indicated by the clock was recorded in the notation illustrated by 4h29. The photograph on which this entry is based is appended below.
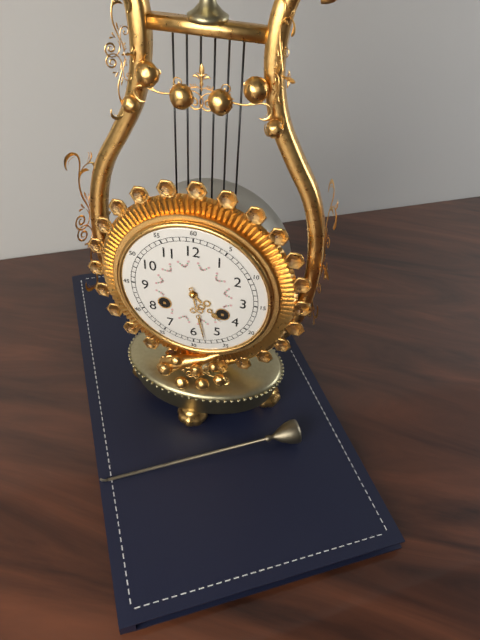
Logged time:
4h28
